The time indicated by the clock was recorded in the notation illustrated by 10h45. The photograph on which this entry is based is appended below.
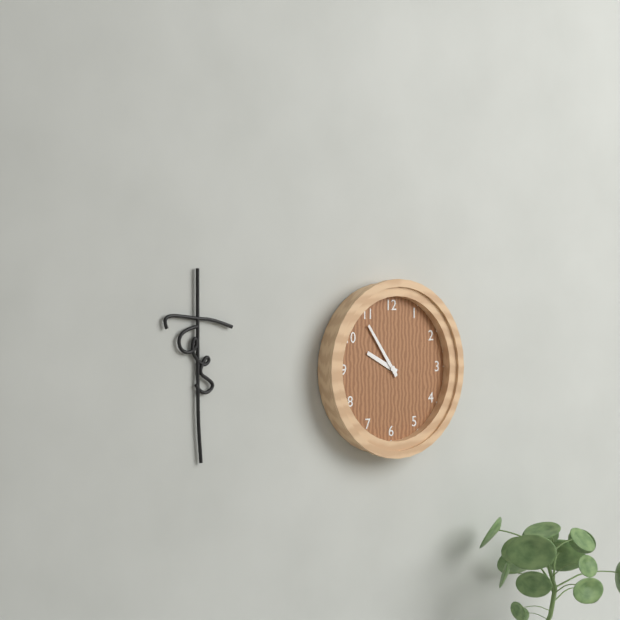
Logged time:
9h54
